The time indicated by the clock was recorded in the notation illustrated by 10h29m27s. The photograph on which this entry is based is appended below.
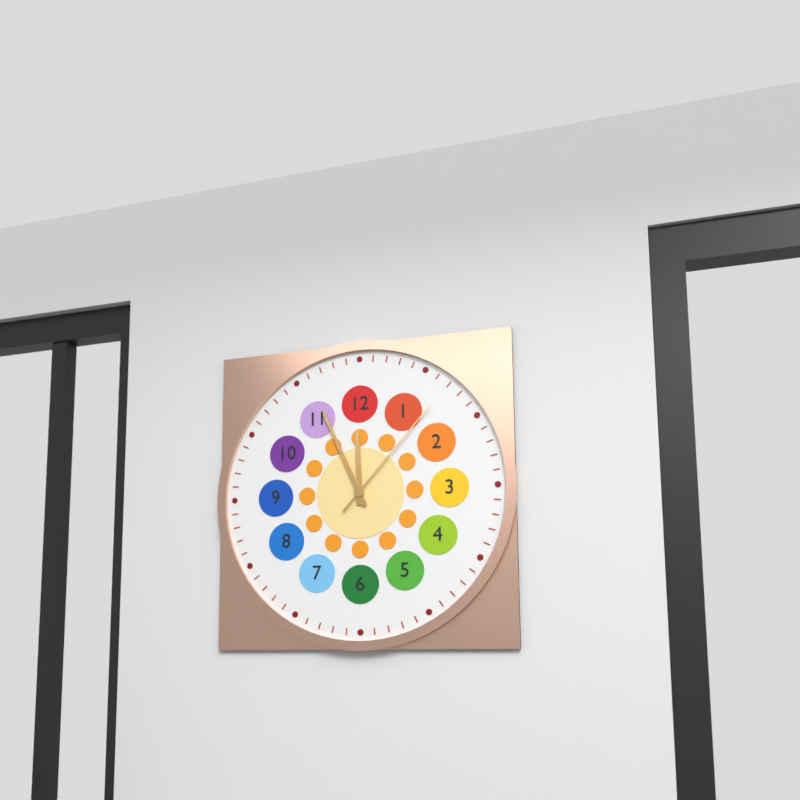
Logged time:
11h56m07s
